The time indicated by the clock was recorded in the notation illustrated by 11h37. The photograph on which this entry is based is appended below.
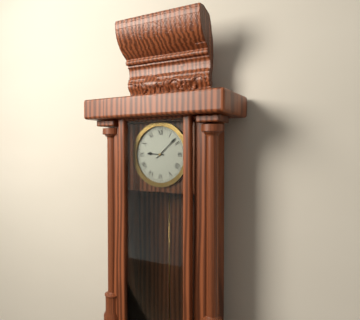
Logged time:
9h08
